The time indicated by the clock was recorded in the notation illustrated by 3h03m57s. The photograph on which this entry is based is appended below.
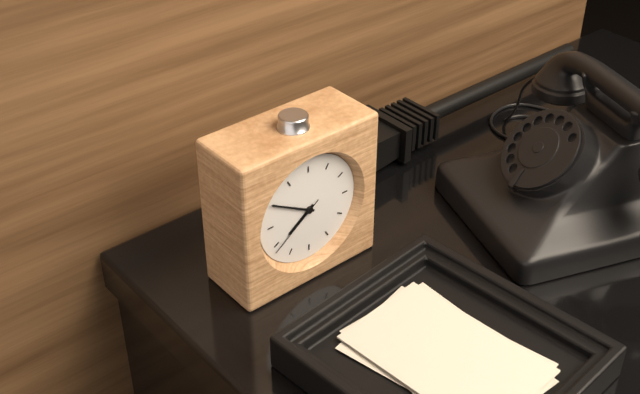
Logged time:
7h50m39s
